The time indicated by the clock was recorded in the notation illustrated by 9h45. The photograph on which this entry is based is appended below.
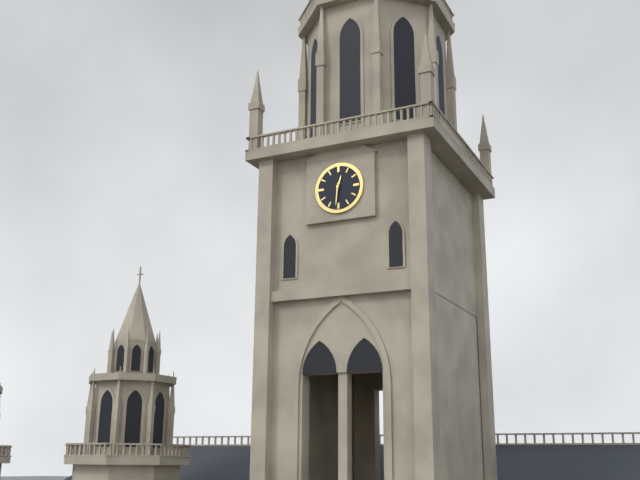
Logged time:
12h31
